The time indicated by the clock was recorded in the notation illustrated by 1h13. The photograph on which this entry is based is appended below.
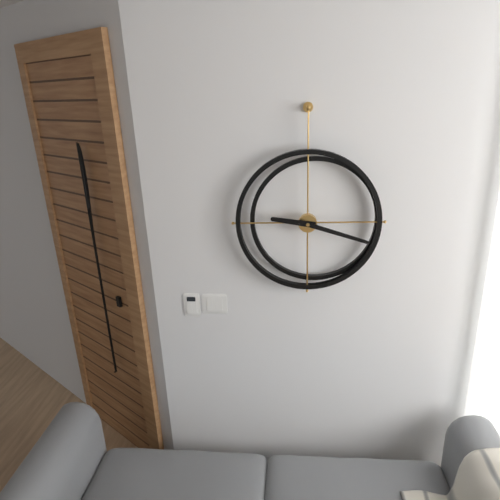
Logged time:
9h18
